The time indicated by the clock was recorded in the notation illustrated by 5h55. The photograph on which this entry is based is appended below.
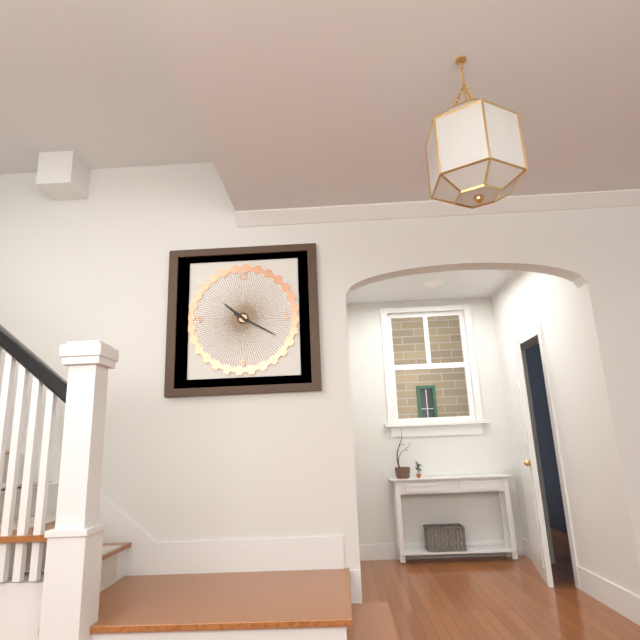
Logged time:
10h20
